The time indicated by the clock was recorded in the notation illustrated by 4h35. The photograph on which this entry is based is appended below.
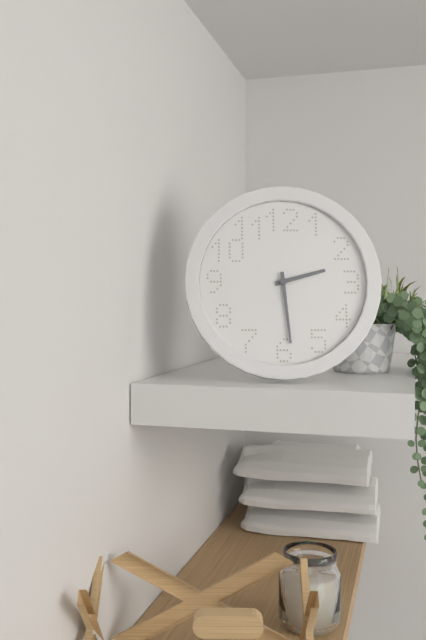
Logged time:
2h29
